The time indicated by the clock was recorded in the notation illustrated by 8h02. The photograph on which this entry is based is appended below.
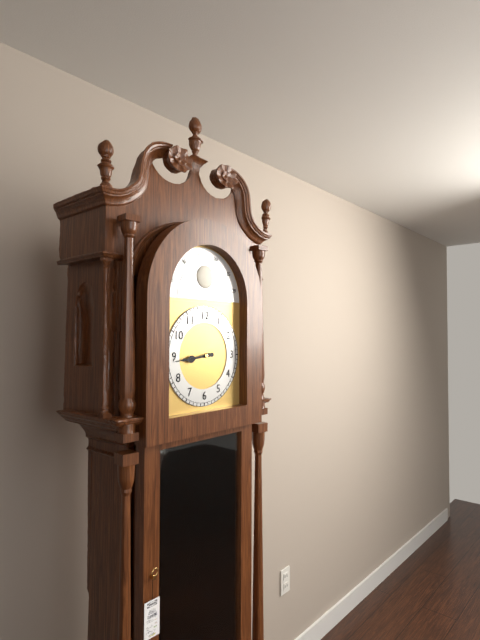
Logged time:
8h44
